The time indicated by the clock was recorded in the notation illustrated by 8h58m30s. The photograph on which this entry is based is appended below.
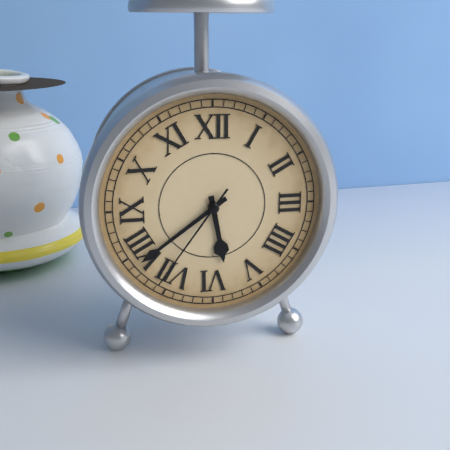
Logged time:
5h39m36s
